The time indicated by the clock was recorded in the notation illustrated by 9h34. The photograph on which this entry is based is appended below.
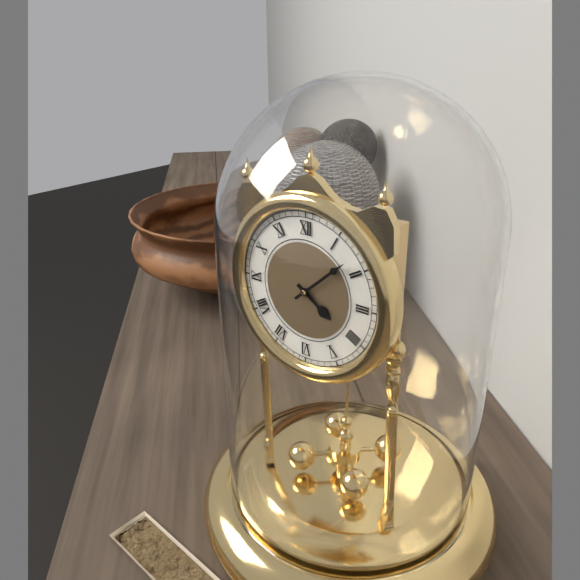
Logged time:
4h08
